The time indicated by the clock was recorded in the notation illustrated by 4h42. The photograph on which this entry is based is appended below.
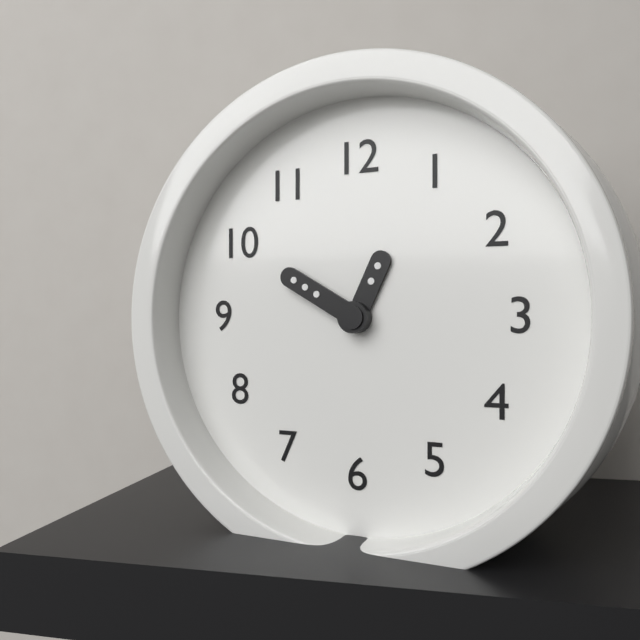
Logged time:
12h50
